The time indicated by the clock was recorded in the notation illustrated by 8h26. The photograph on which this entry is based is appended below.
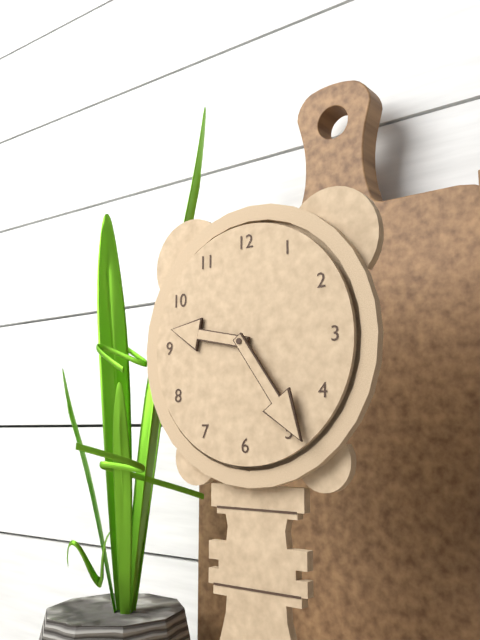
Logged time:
9h24
